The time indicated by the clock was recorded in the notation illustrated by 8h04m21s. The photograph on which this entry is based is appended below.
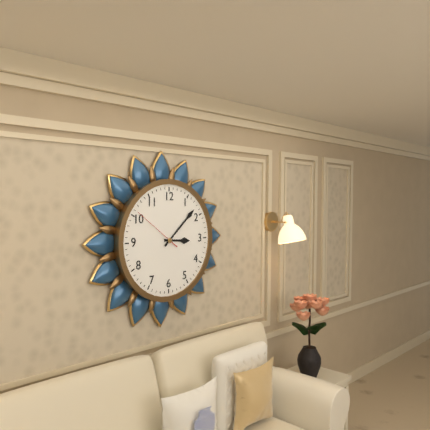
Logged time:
3h08m51s
